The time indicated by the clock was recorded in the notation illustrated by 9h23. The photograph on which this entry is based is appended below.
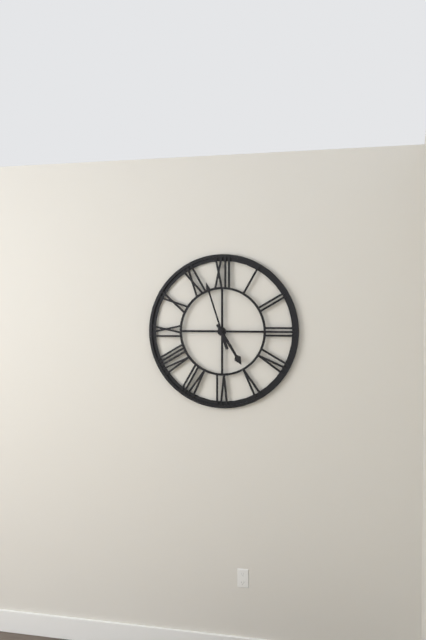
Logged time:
4h57
